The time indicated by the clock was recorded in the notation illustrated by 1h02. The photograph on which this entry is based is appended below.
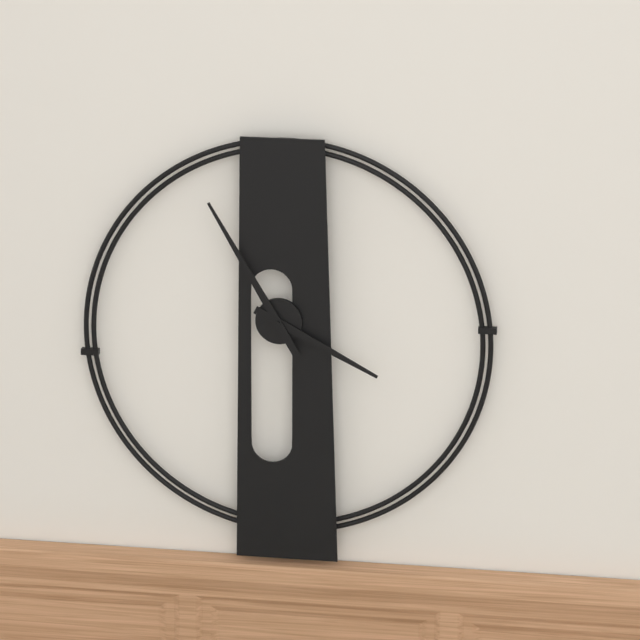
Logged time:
3h55
